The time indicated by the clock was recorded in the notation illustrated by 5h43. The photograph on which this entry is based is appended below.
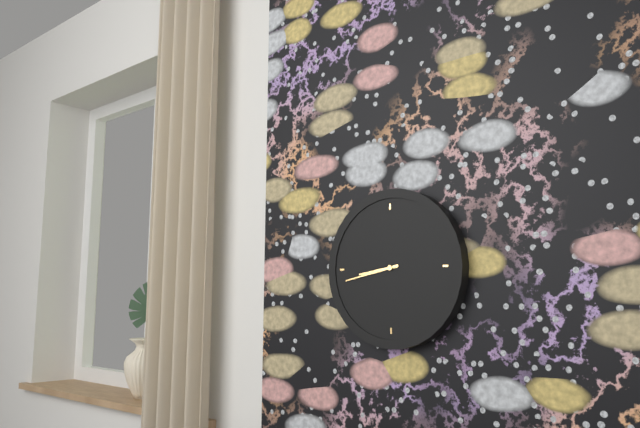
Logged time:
8h43
